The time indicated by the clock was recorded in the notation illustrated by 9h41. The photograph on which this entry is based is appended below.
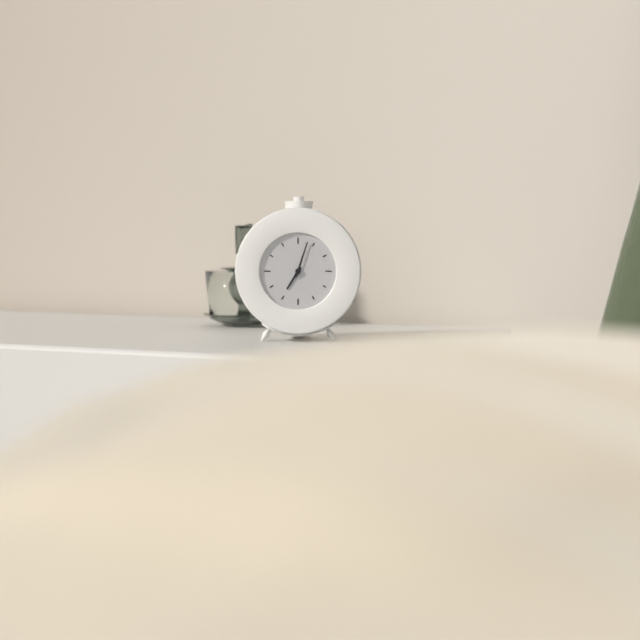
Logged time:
7h03
